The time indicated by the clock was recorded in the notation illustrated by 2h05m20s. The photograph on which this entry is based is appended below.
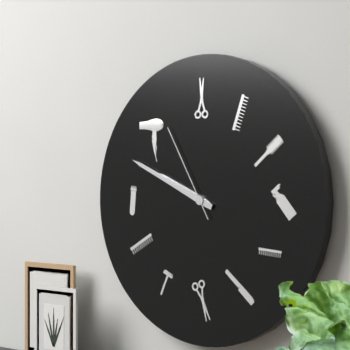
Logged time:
9h49m55s
